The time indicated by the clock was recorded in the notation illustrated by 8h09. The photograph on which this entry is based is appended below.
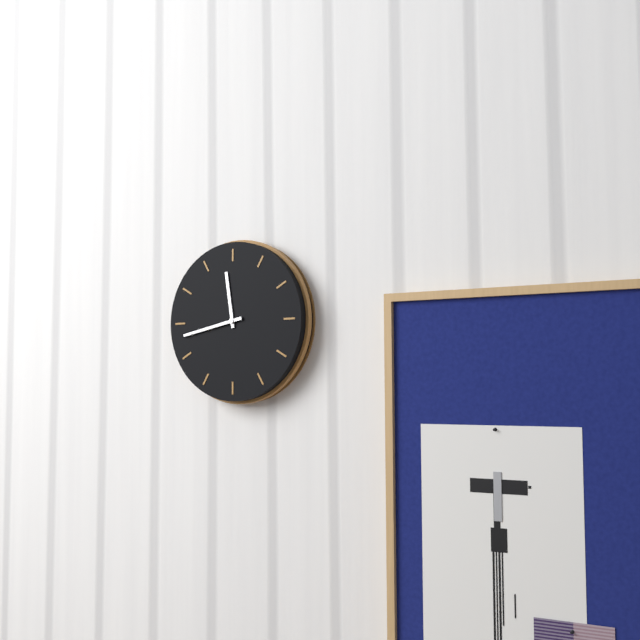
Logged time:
11h43
